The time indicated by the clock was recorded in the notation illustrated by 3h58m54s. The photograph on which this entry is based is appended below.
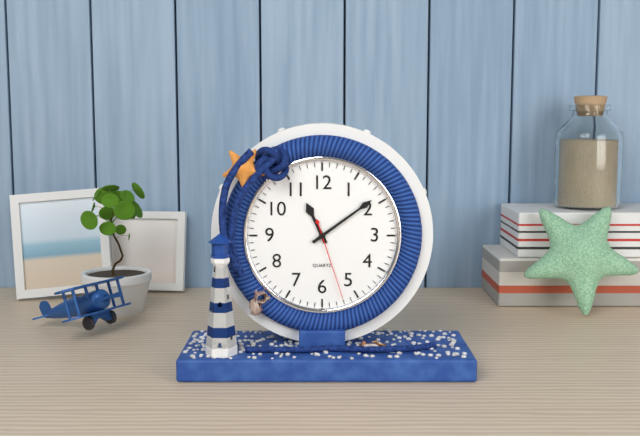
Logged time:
11h09m27s
